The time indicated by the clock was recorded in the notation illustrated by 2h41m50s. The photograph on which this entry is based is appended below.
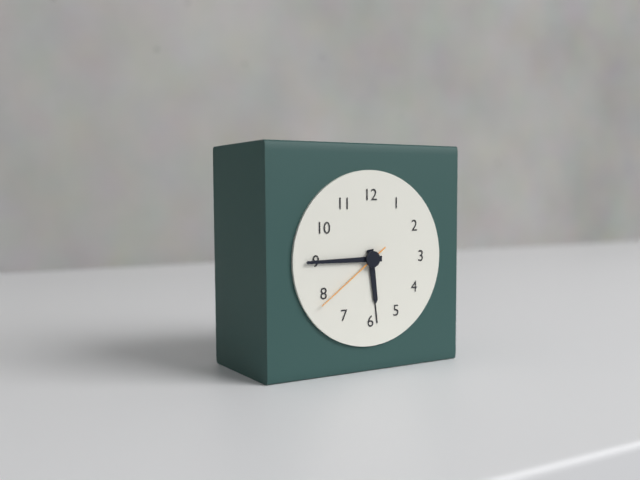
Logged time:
5h45m39s
